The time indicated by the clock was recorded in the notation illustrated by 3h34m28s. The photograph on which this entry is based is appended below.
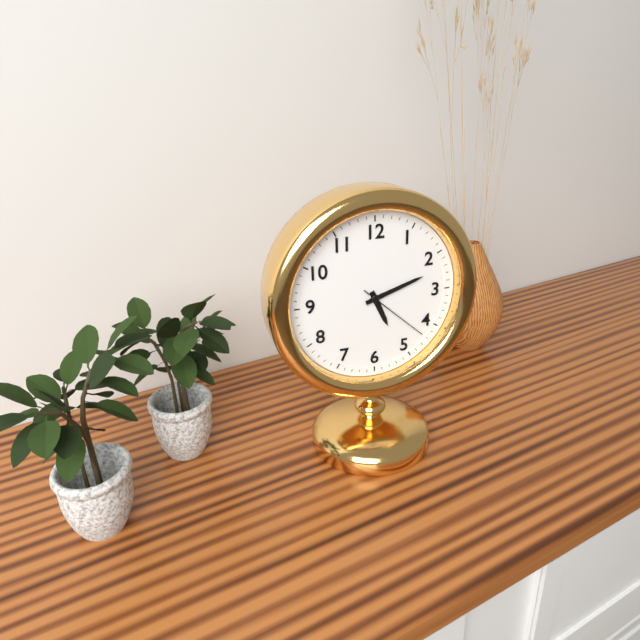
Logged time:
5h12m22s
